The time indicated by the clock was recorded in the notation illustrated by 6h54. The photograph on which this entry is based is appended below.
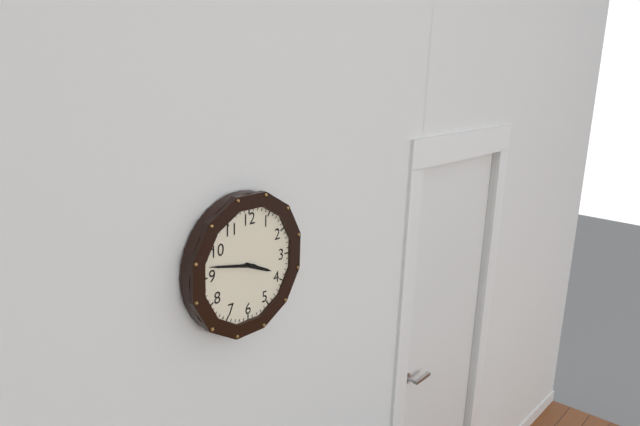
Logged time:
3h47
